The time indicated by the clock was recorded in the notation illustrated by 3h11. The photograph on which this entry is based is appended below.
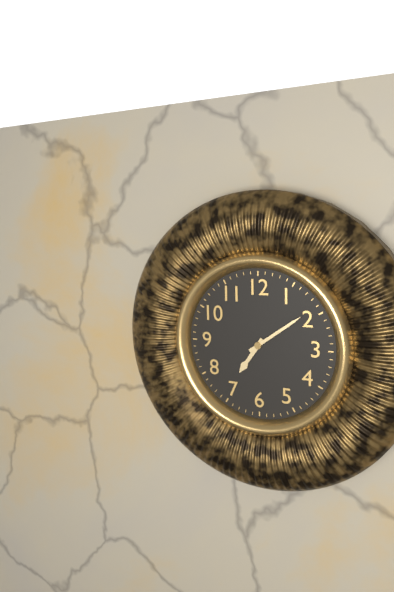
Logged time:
7h09
